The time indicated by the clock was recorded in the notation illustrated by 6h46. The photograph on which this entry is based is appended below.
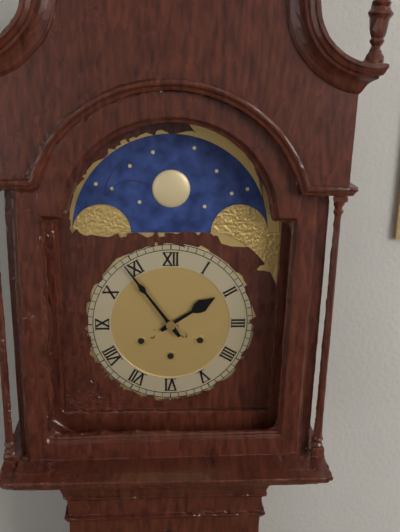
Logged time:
1h54
